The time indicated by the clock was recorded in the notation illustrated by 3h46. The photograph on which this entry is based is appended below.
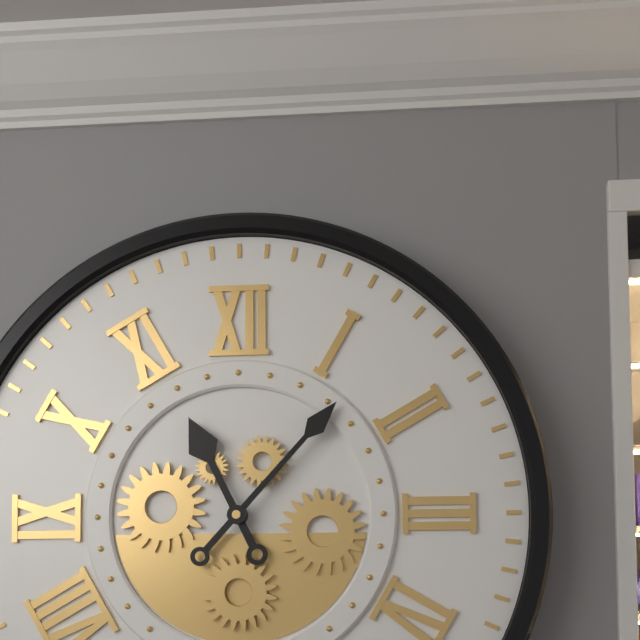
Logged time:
11h07
